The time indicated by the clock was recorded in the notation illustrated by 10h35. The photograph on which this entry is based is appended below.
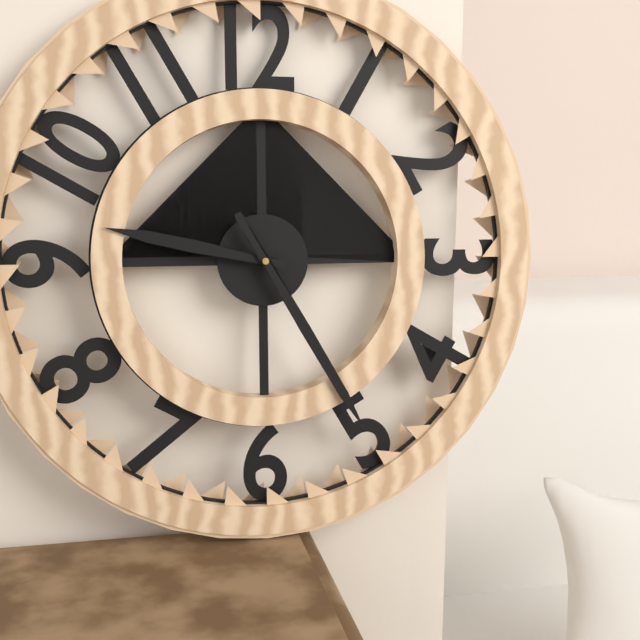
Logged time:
9h25
